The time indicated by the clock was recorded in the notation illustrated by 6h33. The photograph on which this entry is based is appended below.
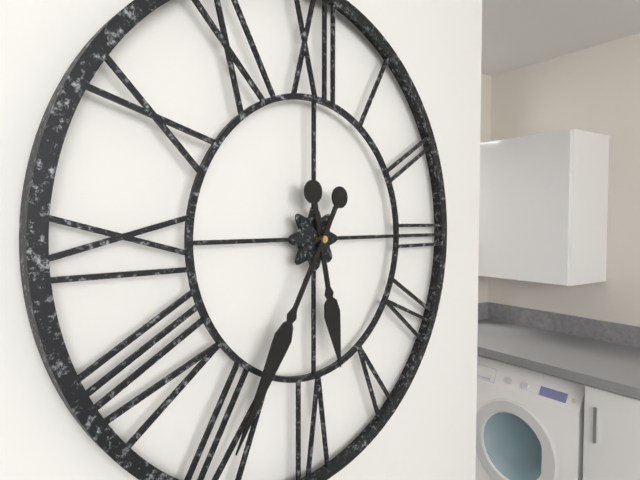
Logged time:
5h35
